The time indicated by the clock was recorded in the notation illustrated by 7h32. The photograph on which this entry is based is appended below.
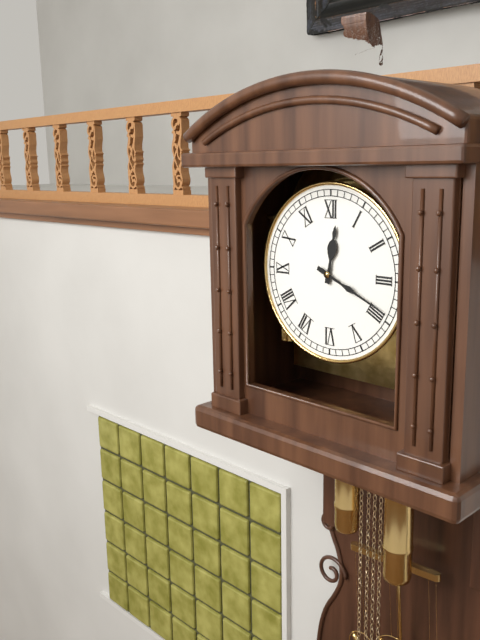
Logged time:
12h19
